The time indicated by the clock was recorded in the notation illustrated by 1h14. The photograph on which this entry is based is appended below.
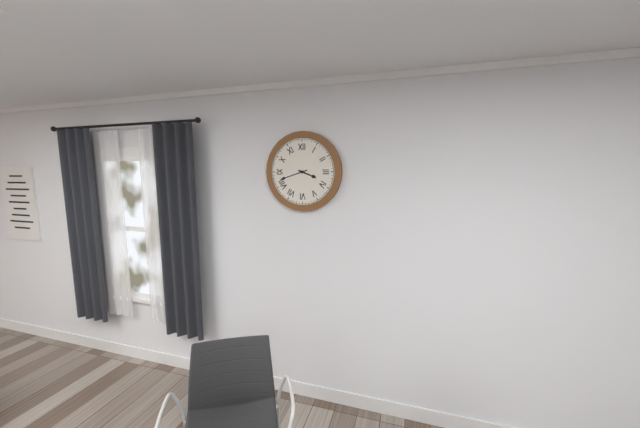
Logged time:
3h42
